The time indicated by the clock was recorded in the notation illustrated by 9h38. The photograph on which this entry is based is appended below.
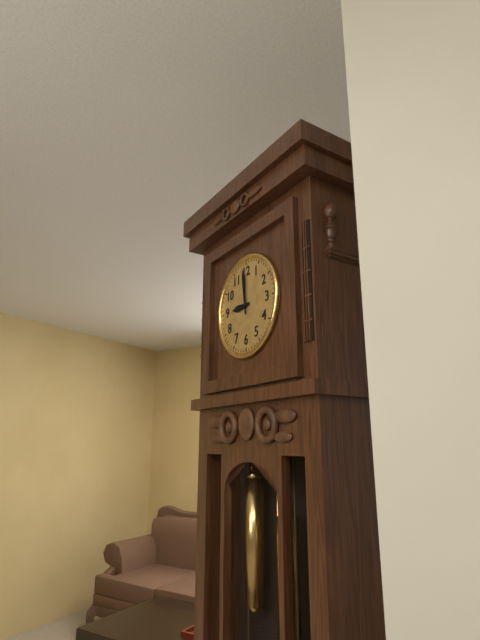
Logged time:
8h59
